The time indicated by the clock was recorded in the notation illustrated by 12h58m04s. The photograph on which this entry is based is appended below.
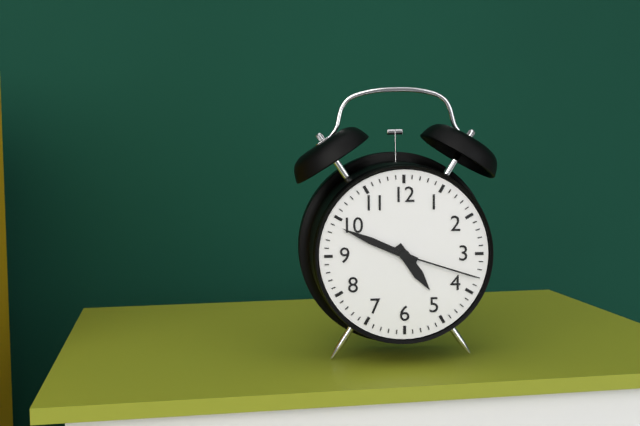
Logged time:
4h49m18s
